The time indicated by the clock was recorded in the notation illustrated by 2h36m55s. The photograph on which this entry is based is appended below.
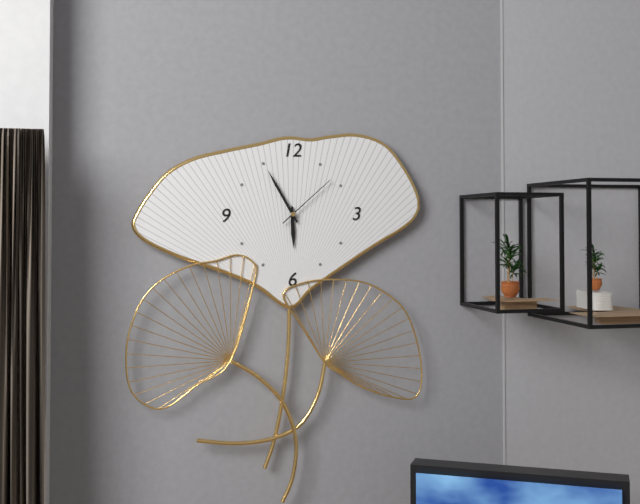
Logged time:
5h55m08s
